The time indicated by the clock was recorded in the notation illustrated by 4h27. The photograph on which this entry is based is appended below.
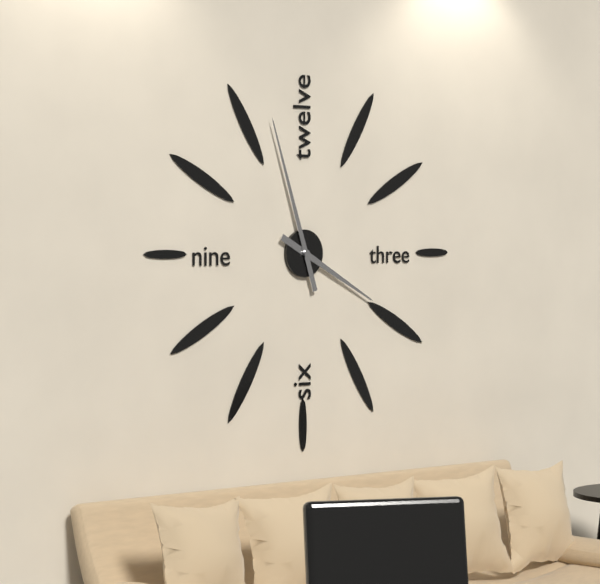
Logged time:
3h57
